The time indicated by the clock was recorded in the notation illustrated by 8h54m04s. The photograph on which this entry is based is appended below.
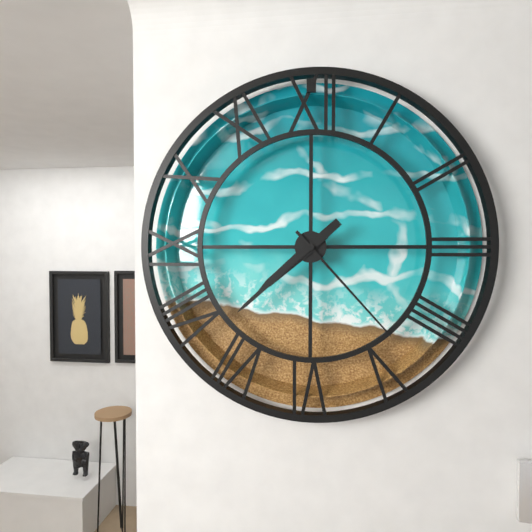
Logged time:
7h38m23s
